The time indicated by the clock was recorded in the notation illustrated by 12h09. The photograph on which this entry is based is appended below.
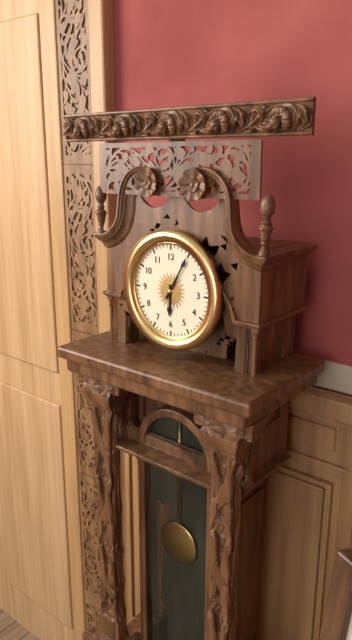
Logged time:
6h05
